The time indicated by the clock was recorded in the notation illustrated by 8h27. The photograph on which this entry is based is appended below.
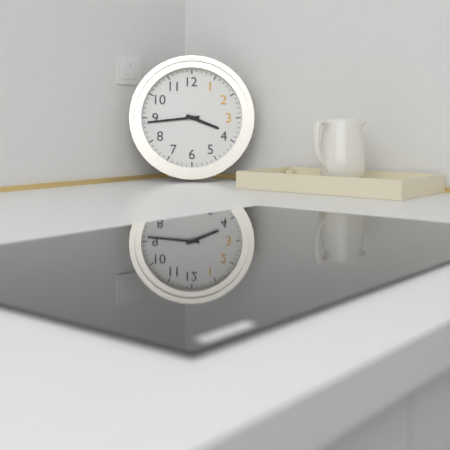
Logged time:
3h44
